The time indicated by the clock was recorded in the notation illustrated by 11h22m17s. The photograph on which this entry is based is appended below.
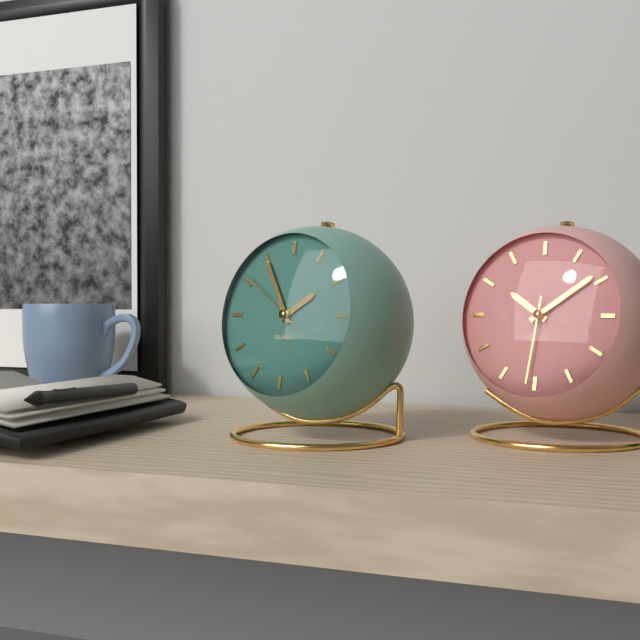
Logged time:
1h55m51s
